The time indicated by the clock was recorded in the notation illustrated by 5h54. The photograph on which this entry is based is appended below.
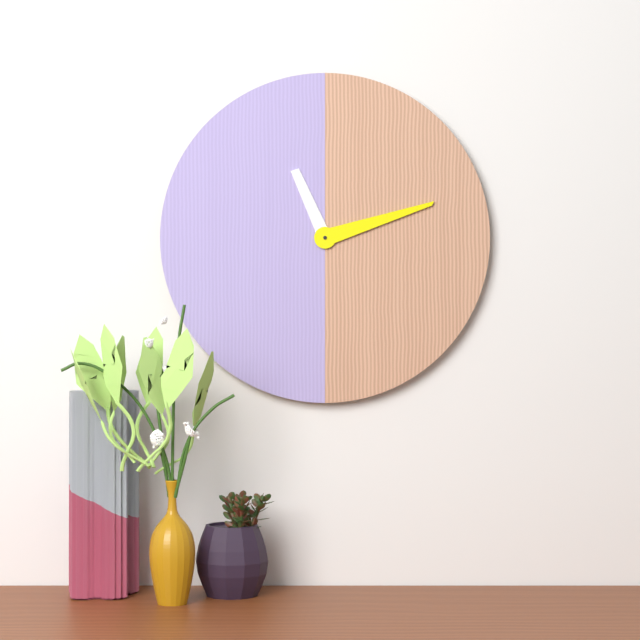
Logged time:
11h12
